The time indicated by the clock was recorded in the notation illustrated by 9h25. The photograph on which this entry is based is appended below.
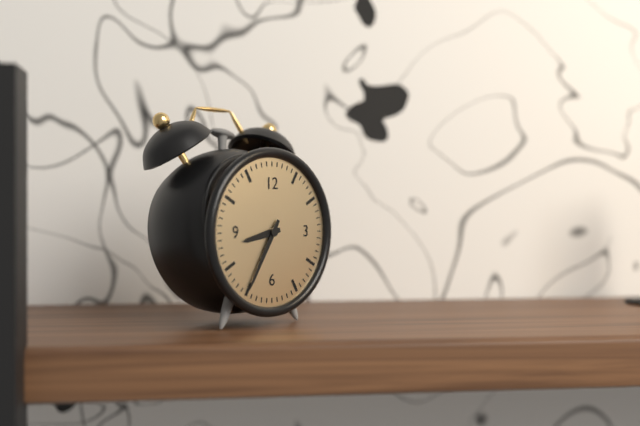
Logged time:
8h35
